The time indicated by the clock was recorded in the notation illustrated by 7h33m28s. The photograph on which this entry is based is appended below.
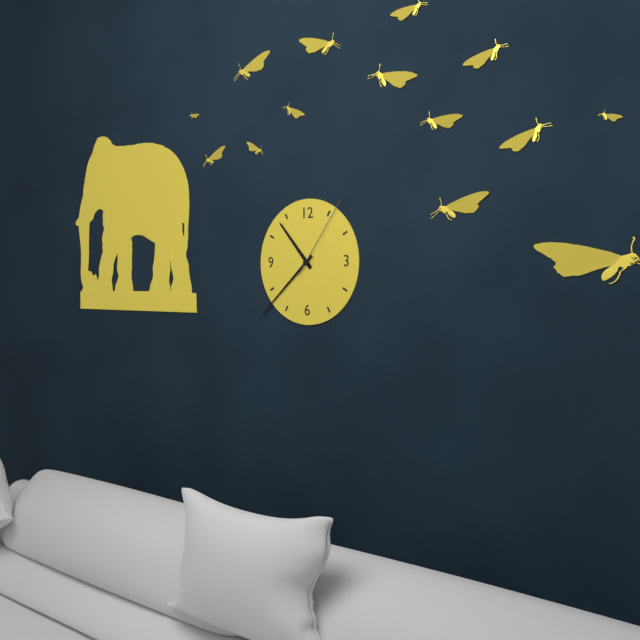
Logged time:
10h38m06s
